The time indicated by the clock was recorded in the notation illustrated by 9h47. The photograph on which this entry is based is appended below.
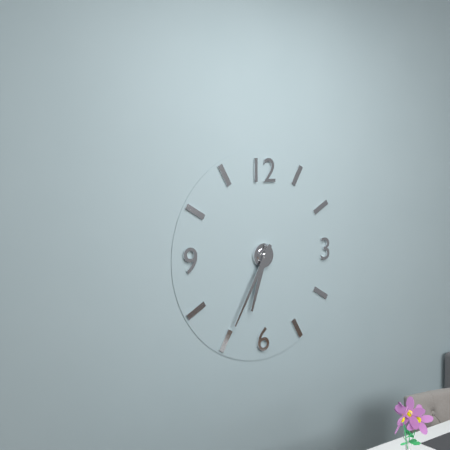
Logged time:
6h35
